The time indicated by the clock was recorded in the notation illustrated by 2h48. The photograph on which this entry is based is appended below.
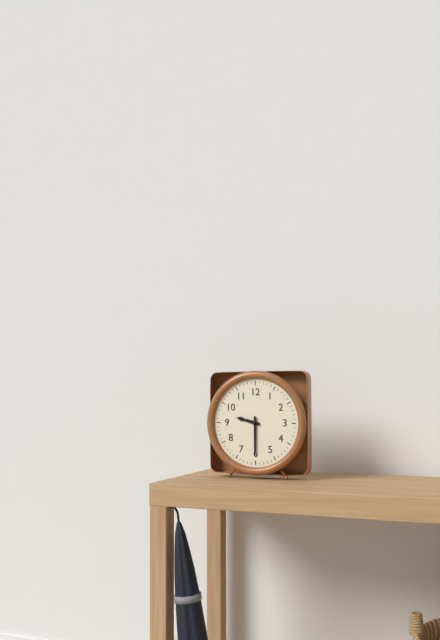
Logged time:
9h30
